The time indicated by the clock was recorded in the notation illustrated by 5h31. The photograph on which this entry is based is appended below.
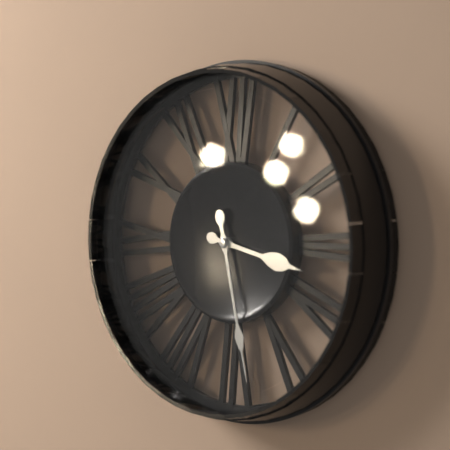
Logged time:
3h28
